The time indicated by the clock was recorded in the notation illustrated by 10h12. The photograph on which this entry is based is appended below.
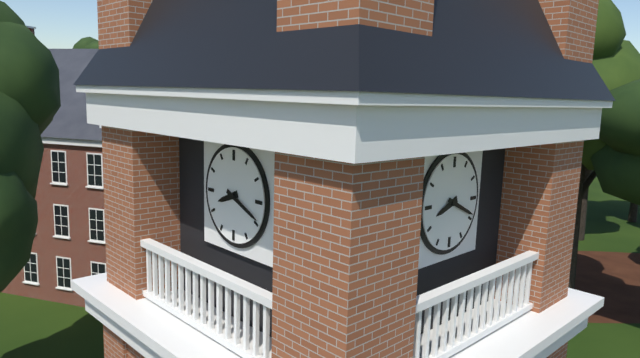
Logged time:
8h19
